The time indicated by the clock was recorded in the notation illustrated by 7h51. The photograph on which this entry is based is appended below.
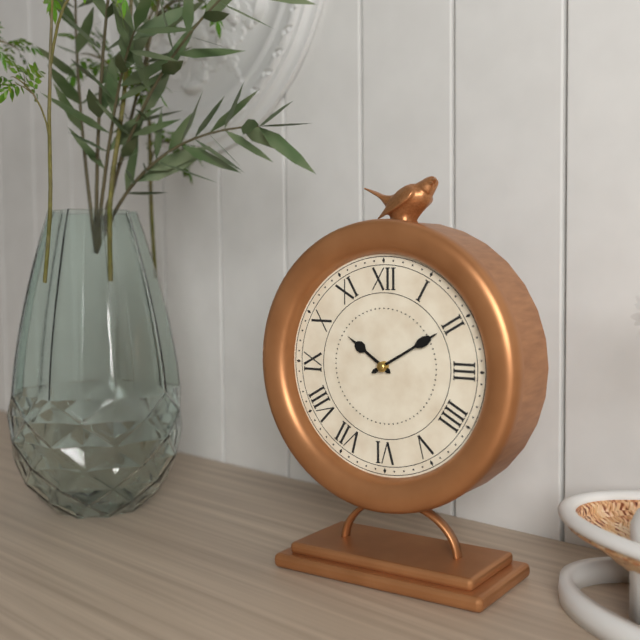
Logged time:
10h10
